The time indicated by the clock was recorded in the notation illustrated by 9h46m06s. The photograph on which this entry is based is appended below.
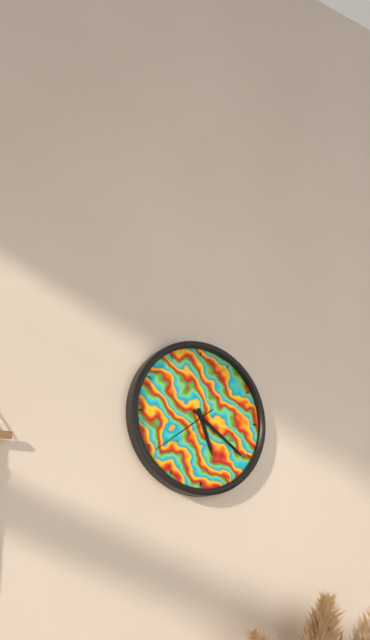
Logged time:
5h21m39s
